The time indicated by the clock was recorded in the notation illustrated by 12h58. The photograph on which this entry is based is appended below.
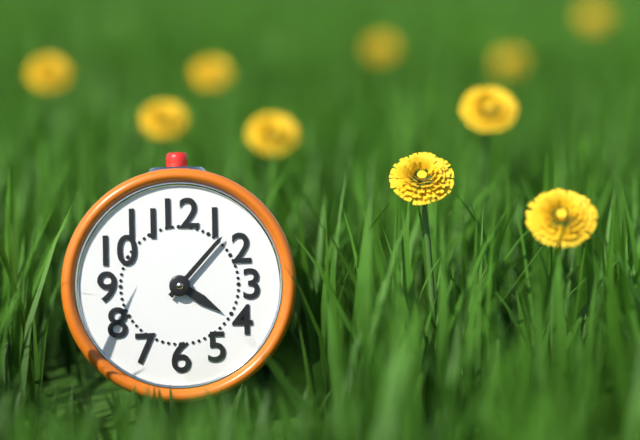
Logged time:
4h07
